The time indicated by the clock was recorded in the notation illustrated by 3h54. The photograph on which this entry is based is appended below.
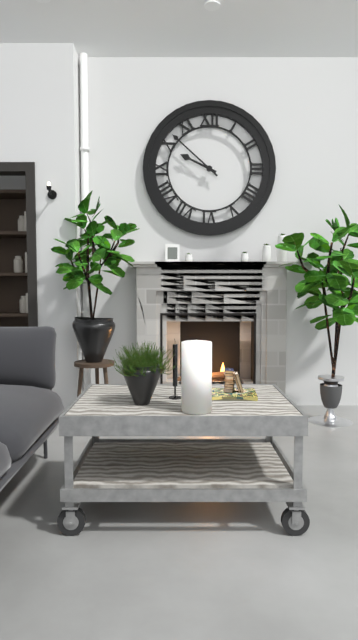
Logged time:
9h52
